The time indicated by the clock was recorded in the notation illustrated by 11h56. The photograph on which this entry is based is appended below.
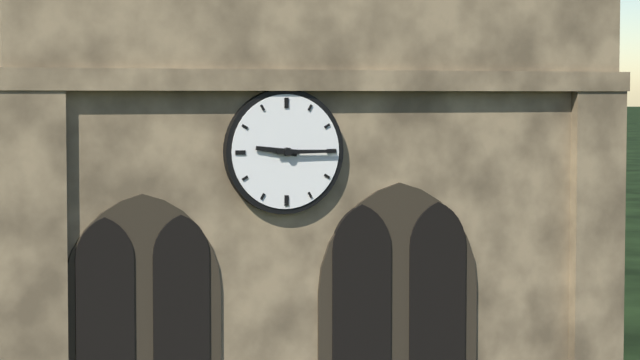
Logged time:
9h15
